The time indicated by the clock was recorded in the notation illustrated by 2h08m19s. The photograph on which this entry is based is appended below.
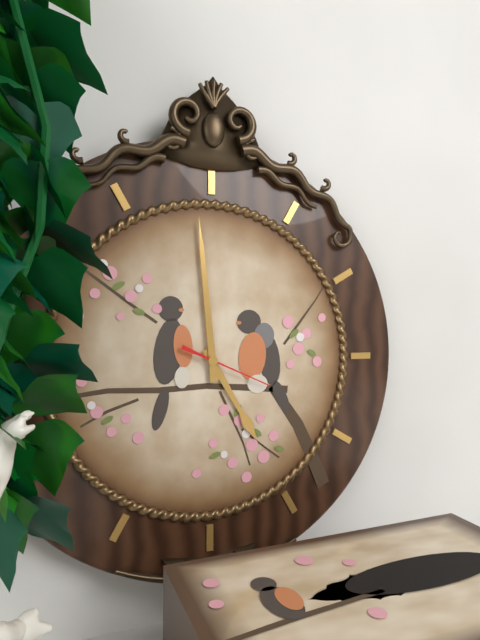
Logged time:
4h59m19s
